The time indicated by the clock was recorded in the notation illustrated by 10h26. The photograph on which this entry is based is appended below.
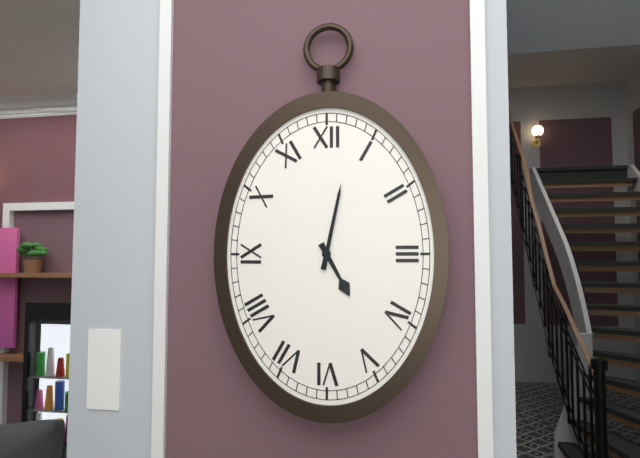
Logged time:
5h02
